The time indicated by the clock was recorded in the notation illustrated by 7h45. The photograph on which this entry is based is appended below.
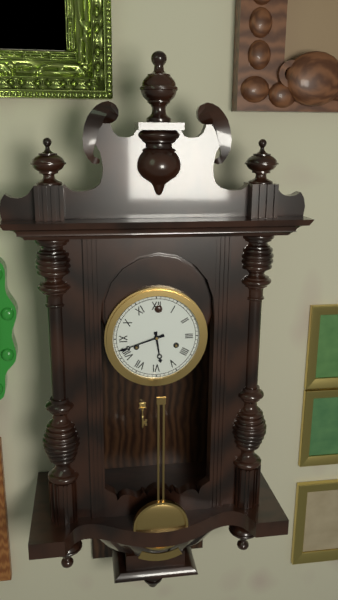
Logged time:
5h42
